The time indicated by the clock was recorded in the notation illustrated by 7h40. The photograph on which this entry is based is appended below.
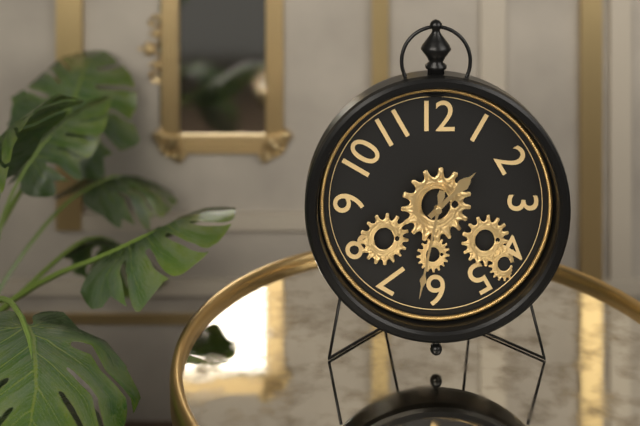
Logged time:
1h32
